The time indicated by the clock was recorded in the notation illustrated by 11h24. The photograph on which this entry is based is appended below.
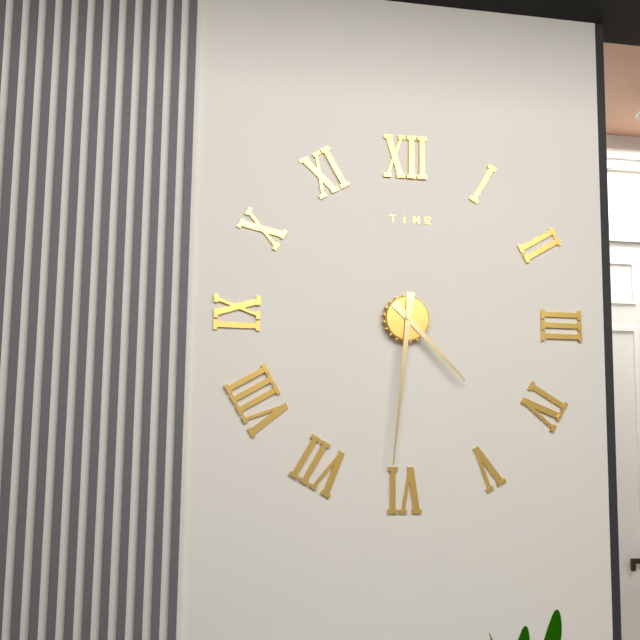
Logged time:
4h31
